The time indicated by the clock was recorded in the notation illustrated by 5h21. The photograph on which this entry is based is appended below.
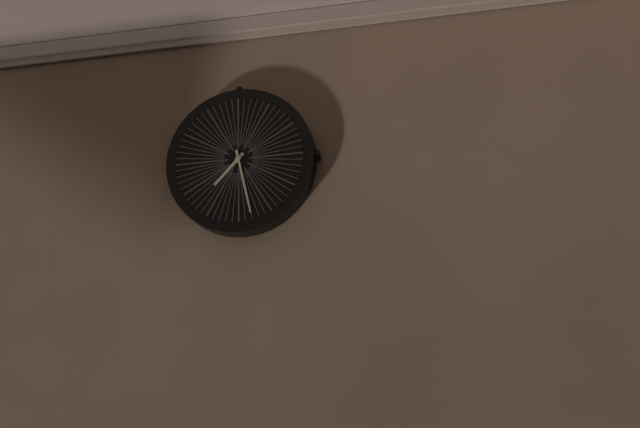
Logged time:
7h28
